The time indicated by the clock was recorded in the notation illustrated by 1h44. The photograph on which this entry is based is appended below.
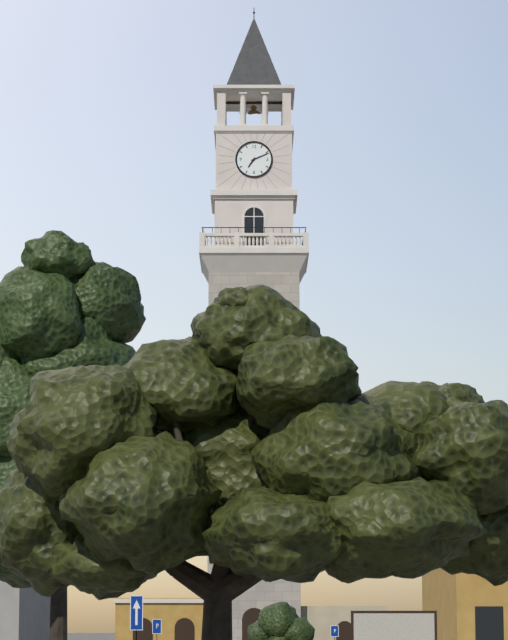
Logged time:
7h11
